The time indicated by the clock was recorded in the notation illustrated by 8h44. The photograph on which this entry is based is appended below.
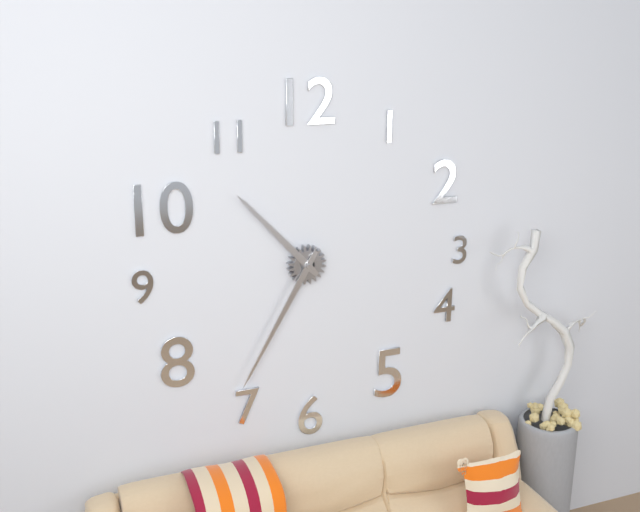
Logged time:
10h35
